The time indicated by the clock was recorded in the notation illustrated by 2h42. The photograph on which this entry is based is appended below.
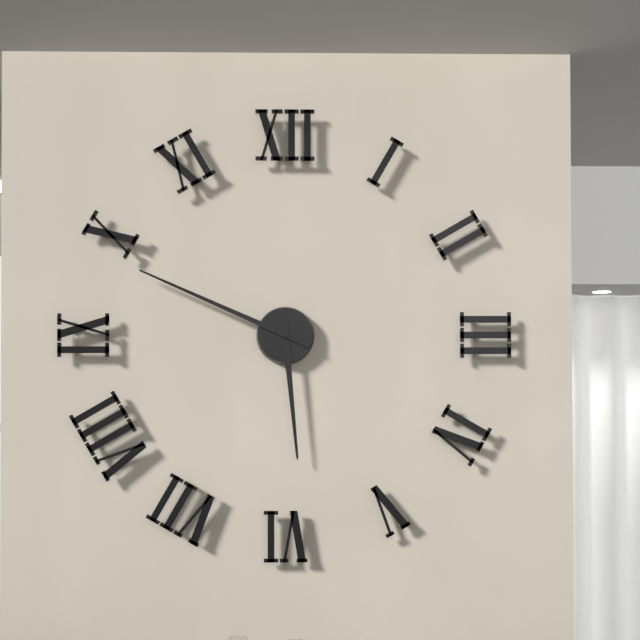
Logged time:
5h49
